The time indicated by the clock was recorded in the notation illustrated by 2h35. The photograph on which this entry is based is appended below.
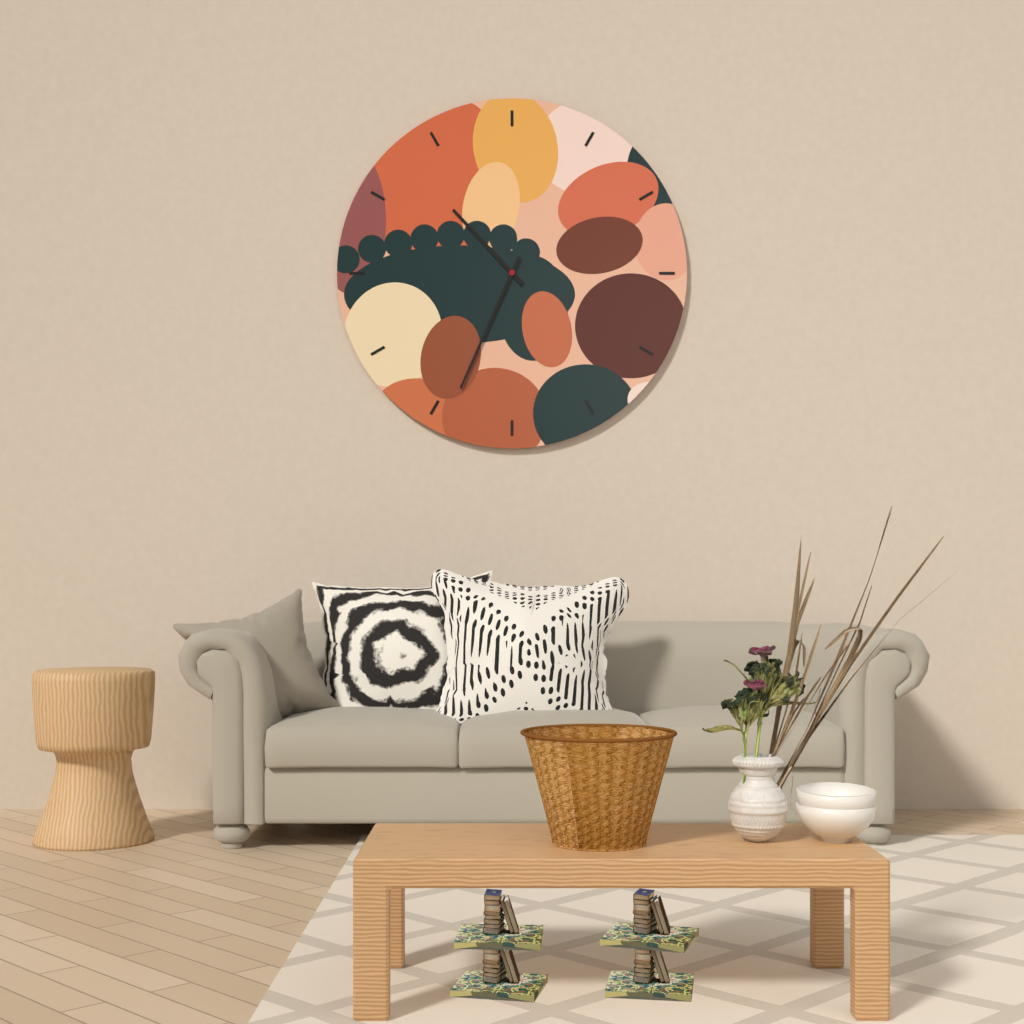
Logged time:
10h34
